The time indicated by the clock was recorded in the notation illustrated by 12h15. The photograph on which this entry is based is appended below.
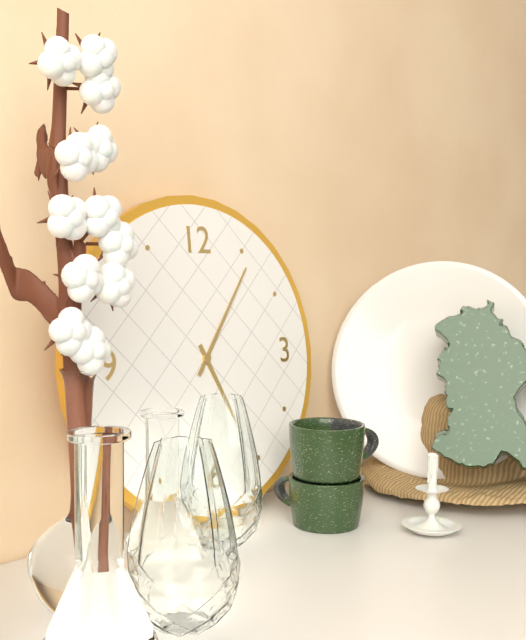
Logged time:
5h06
